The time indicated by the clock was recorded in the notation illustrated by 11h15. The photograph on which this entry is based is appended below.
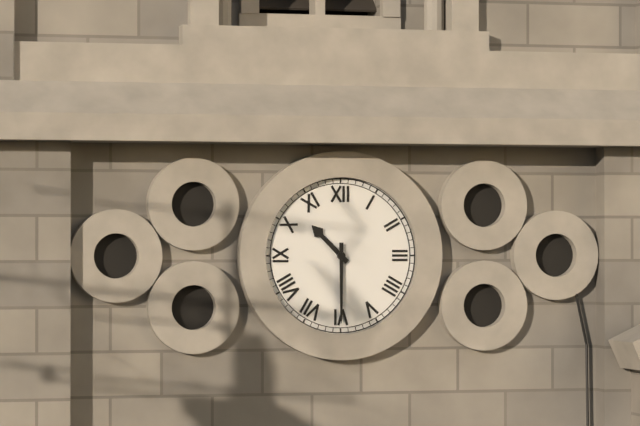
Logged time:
10h30
